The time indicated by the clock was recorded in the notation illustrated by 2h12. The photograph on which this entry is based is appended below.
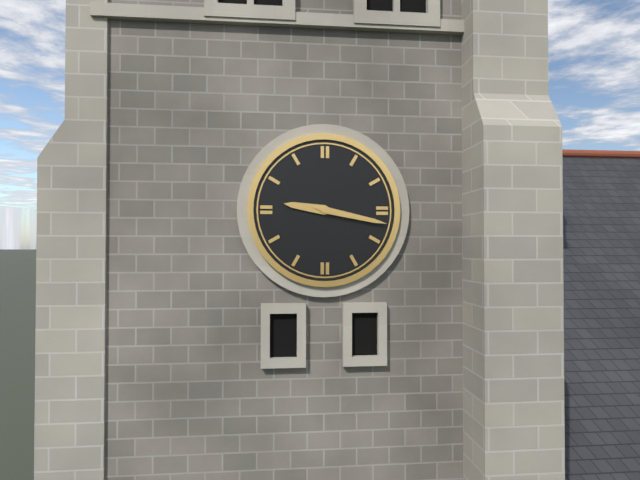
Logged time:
9h17
